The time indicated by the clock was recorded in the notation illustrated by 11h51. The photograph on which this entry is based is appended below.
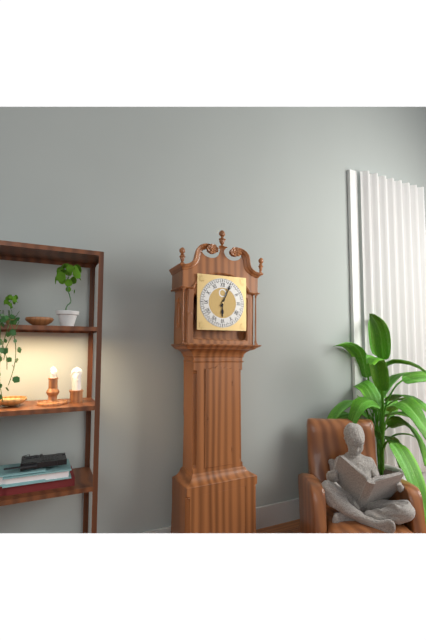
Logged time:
6h04
